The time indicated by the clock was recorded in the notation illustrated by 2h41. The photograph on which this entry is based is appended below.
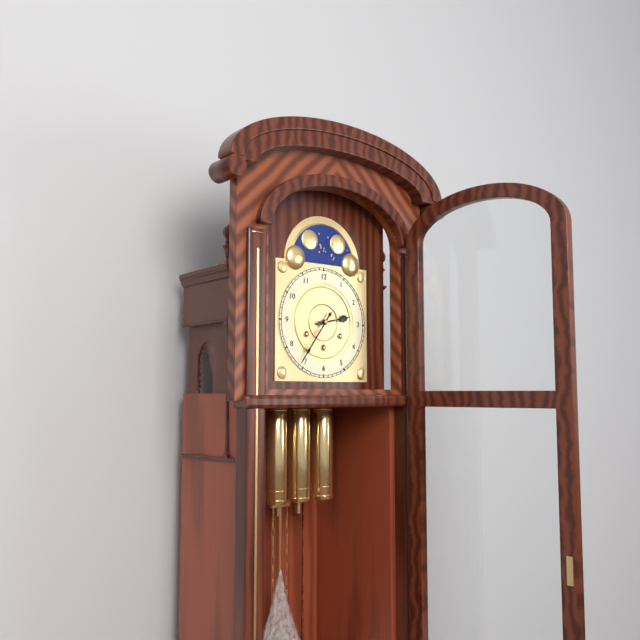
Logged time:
2h36
